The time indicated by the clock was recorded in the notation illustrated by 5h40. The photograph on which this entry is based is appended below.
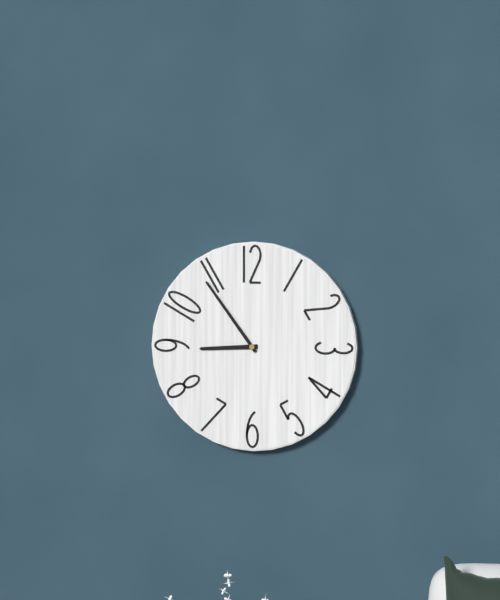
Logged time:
8h54
